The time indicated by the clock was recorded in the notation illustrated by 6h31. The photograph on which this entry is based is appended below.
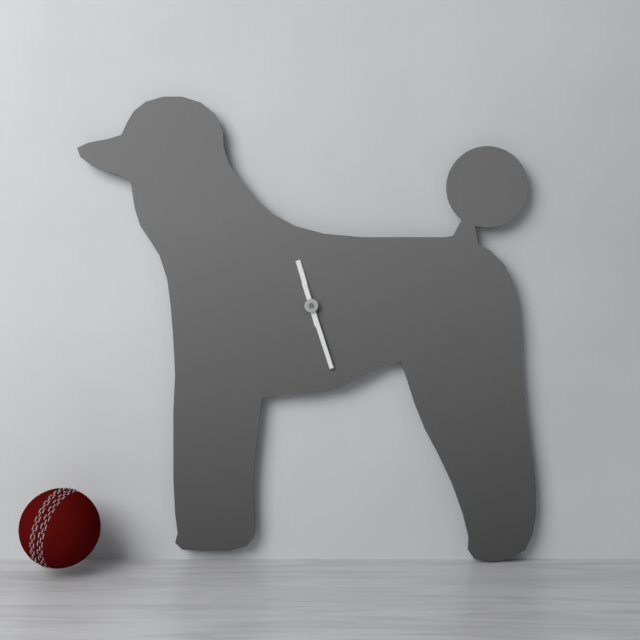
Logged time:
11h27
